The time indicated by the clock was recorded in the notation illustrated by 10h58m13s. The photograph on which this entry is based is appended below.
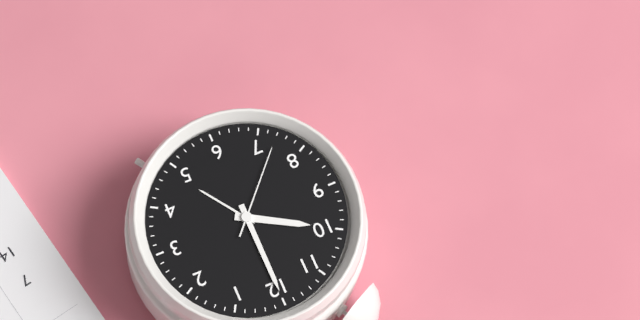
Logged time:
10h00m37s
